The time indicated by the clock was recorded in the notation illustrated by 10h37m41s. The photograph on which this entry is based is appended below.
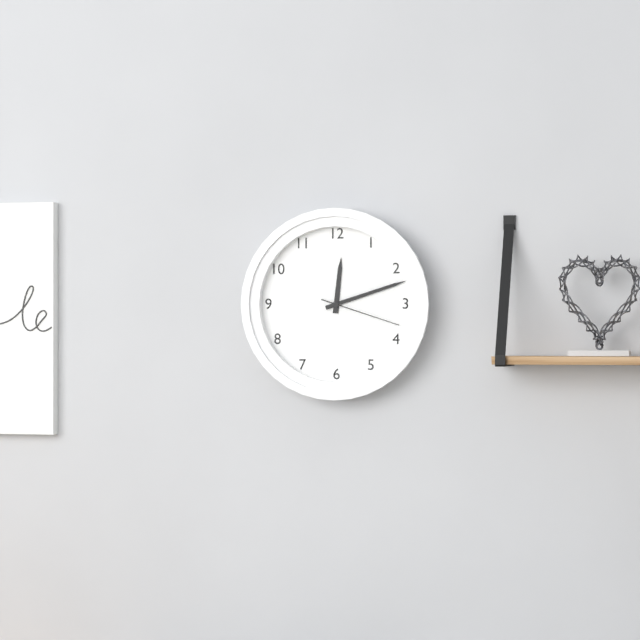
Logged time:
12h12m18s
